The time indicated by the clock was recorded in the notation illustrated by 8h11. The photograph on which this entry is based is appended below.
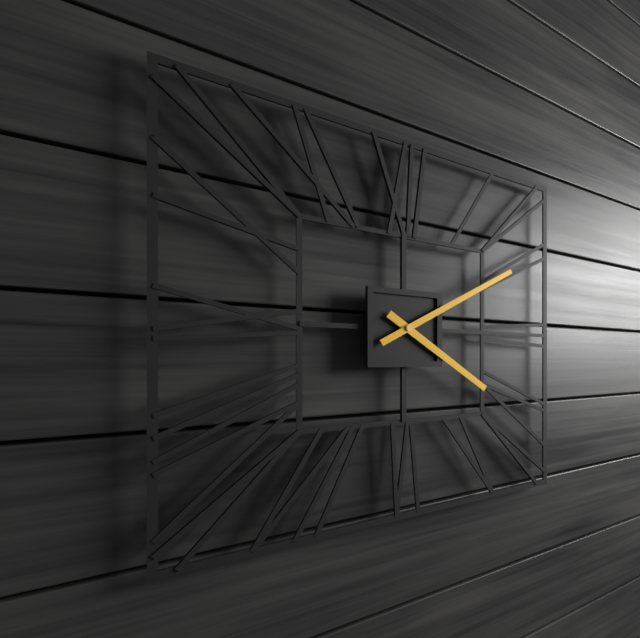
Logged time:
4h10
